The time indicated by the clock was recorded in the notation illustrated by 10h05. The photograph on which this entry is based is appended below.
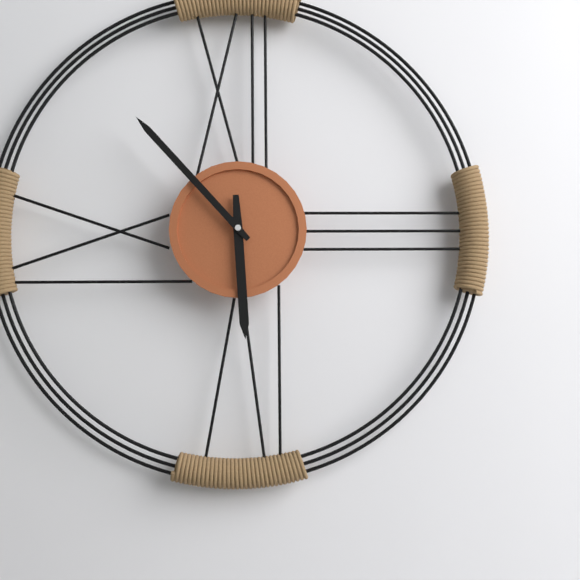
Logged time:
5h53
